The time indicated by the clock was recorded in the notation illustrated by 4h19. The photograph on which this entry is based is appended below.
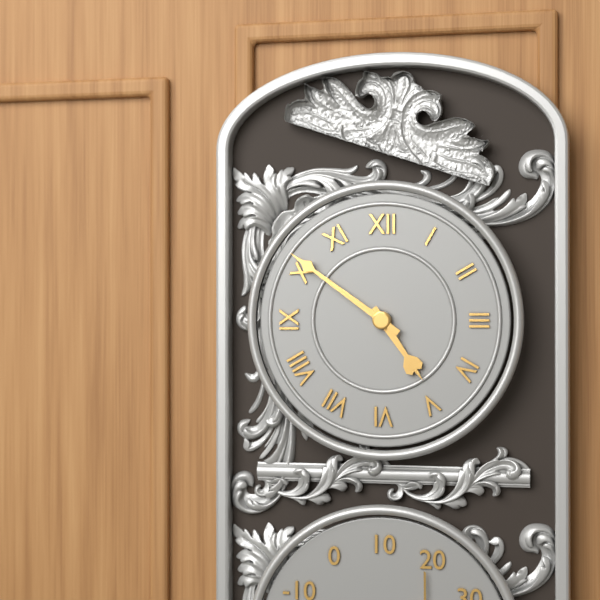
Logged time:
4h51
